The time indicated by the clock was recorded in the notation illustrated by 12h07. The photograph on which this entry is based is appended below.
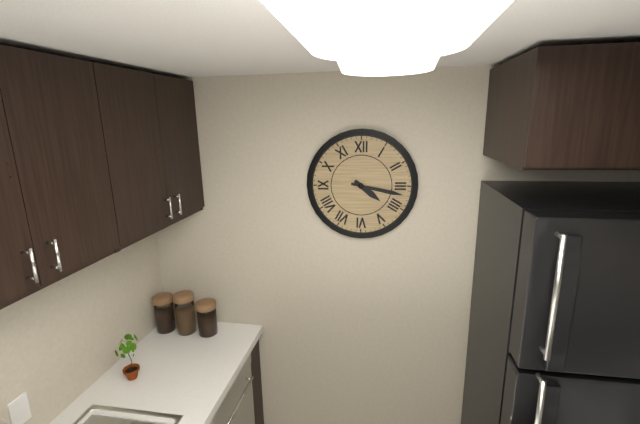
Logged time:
4h17
